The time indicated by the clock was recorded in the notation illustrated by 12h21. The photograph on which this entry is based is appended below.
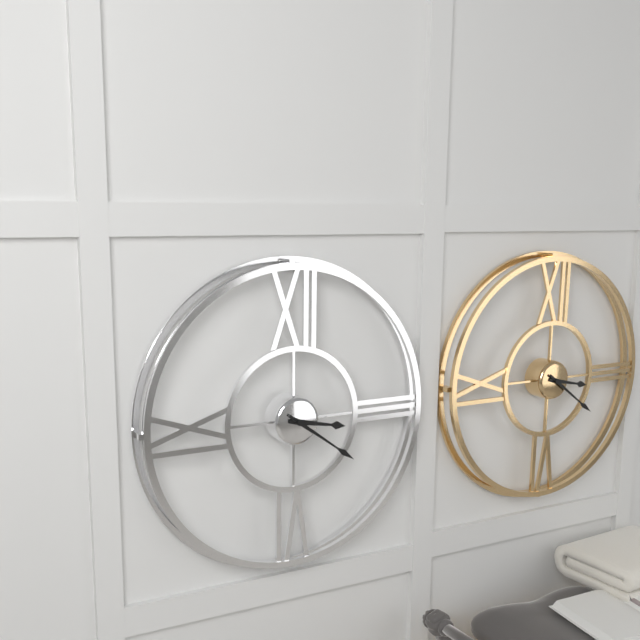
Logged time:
3h21
